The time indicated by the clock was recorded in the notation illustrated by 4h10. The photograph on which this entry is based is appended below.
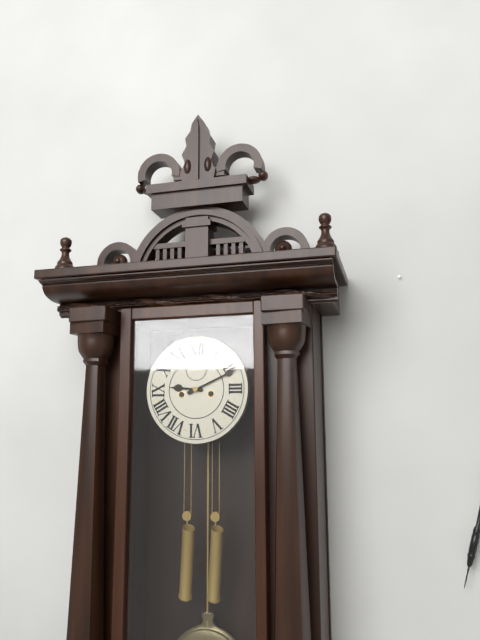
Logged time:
9h11
